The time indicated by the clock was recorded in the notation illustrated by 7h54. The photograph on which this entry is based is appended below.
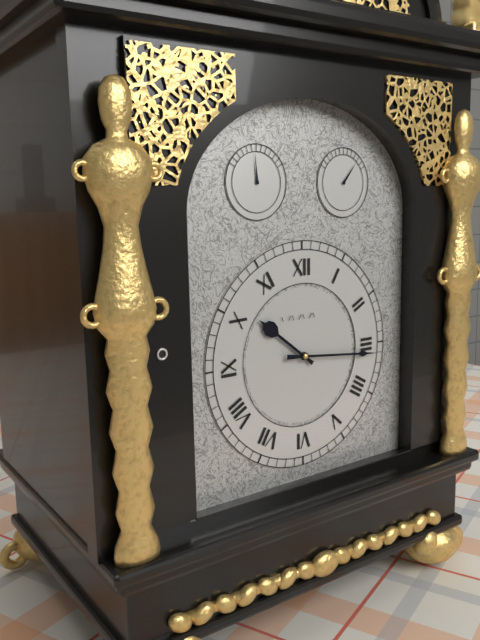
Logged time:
10h16
